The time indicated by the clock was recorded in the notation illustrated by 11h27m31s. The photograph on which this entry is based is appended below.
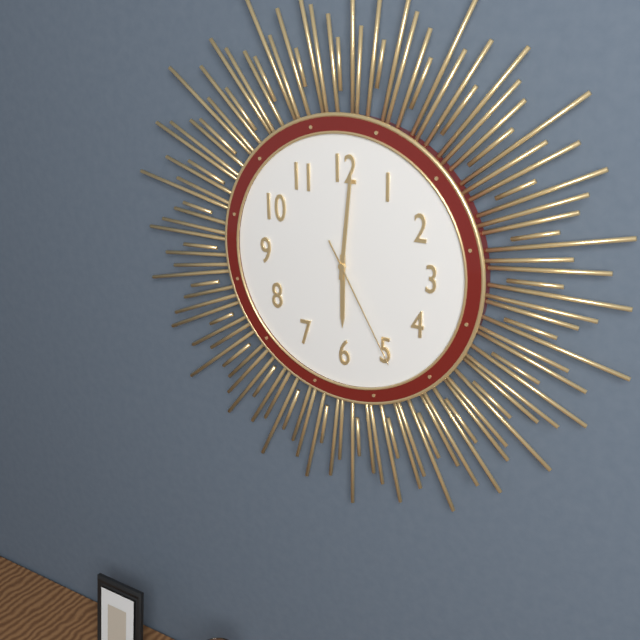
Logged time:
6h01m25s
